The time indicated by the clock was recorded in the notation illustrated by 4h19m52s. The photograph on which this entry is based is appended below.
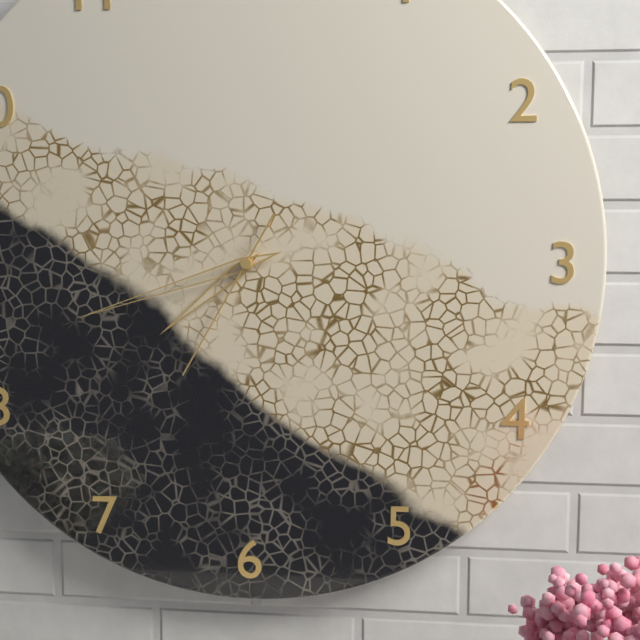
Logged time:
7h42m35s
